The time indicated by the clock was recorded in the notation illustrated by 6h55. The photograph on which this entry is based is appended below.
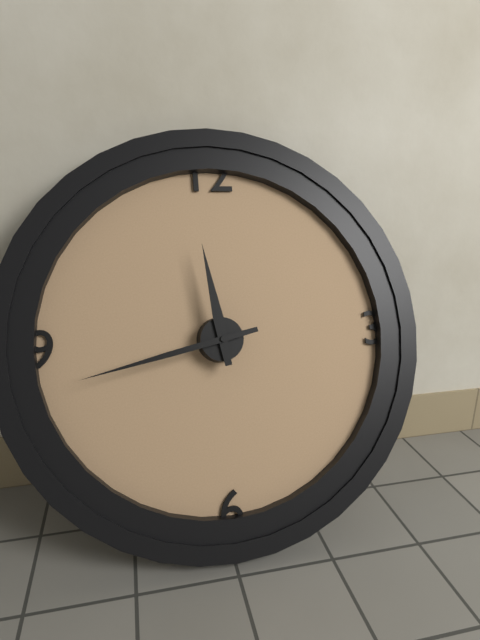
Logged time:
11h43
